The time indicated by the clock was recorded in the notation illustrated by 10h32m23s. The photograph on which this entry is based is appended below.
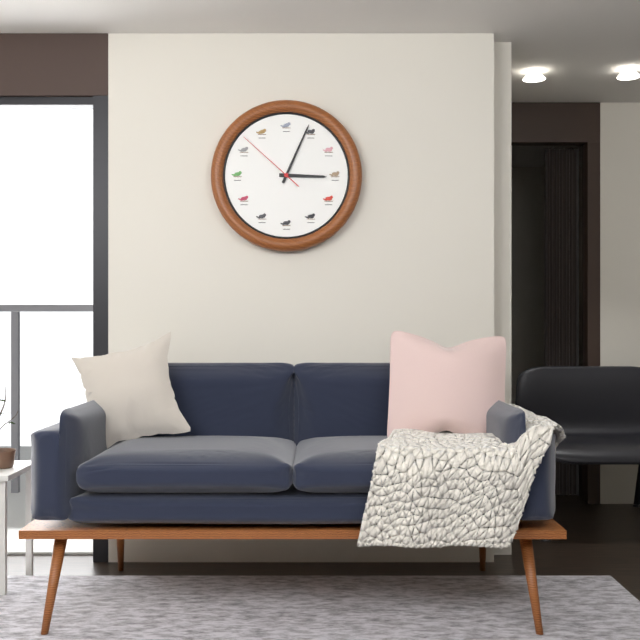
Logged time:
3h04m52s
